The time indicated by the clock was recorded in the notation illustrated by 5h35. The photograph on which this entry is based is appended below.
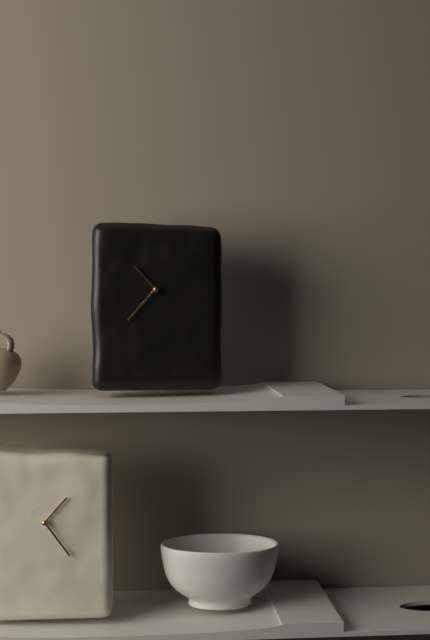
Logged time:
10h37
